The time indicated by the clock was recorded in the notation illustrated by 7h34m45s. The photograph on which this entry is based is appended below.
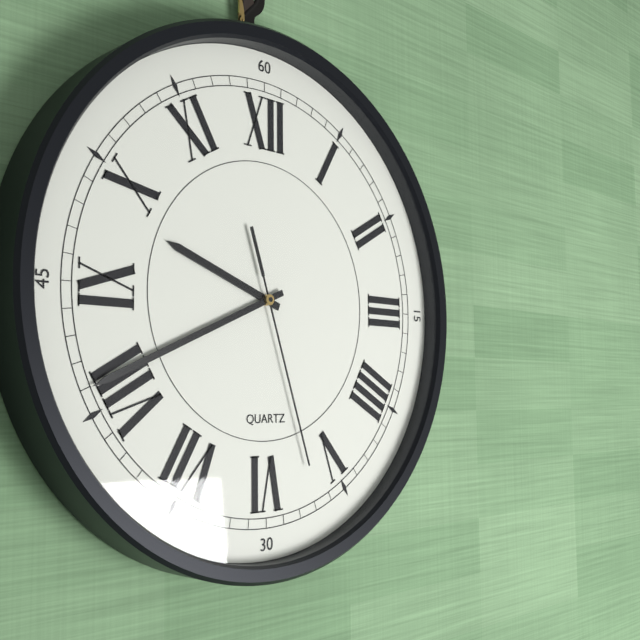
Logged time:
9h41m27s
